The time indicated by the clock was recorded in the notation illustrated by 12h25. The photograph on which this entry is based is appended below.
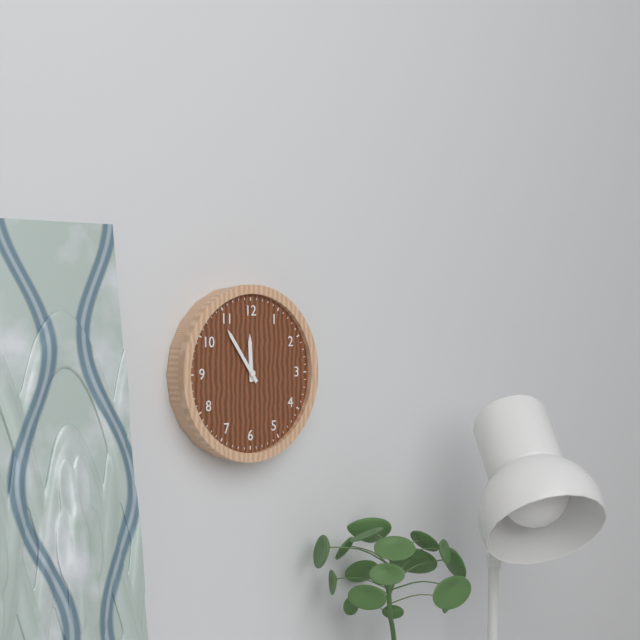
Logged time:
11h54
